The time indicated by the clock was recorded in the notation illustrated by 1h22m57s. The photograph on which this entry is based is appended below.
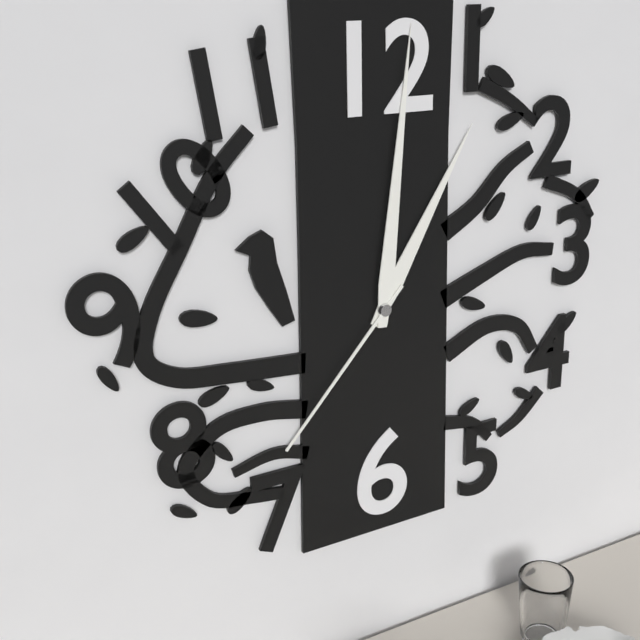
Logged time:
1h01m37s
